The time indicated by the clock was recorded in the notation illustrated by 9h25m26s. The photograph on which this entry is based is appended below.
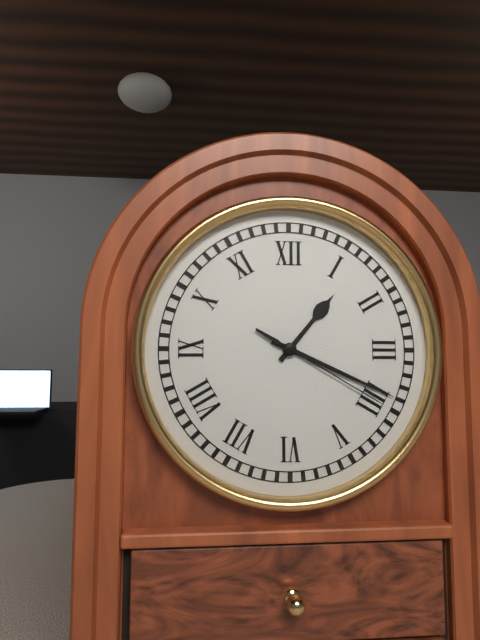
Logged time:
1h19m20s
